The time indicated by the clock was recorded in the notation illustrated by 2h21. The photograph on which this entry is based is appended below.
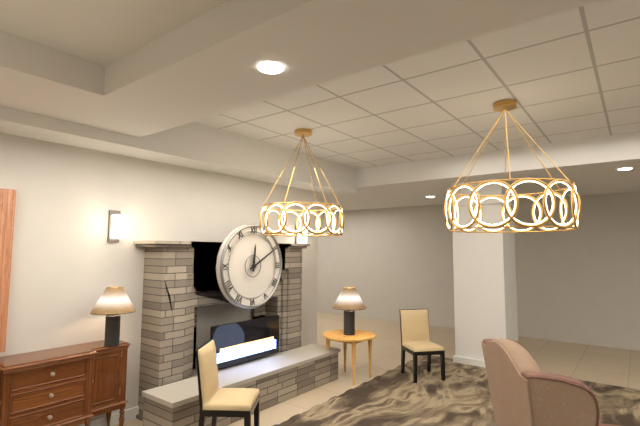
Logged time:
12h10
